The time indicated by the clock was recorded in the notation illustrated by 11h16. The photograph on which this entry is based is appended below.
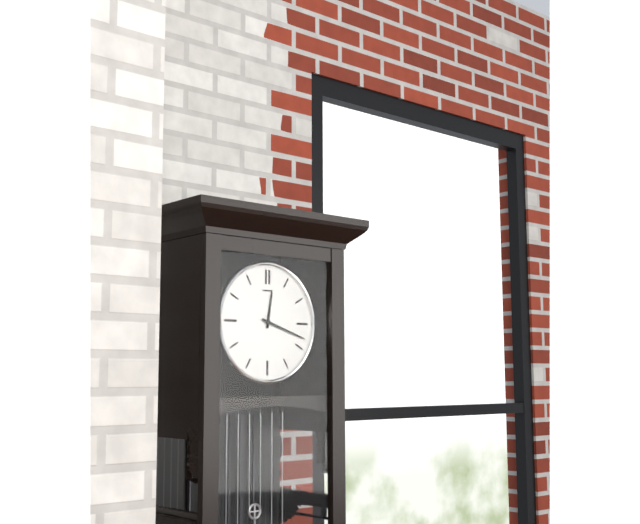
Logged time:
12h18
